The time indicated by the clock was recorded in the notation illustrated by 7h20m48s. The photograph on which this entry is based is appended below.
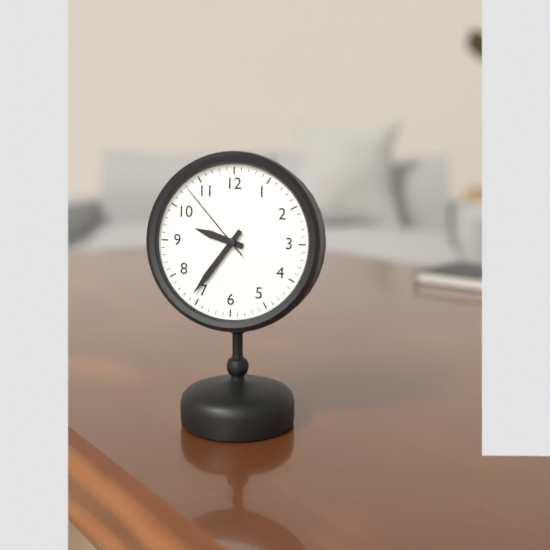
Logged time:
9h36m53s
